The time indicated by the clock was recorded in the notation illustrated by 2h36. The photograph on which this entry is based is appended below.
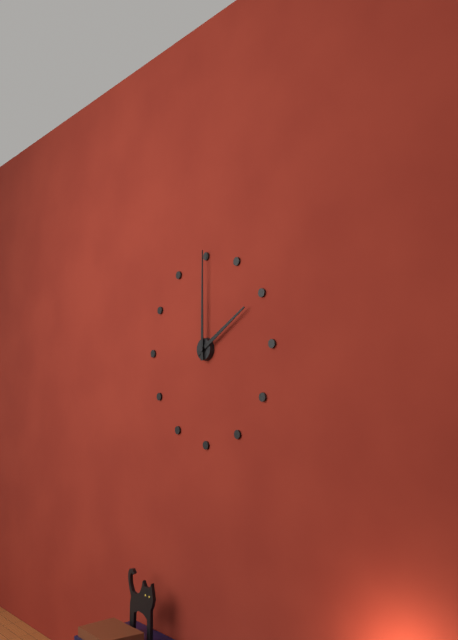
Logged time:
2h00
